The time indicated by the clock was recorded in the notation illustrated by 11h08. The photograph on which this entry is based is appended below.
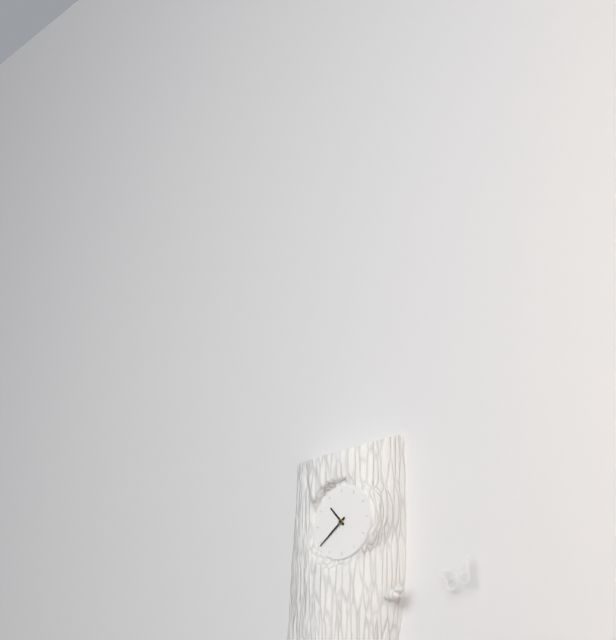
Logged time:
10h39
